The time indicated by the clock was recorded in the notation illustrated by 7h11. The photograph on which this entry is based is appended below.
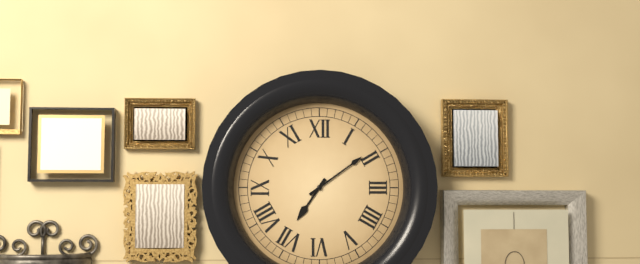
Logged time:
7h09
